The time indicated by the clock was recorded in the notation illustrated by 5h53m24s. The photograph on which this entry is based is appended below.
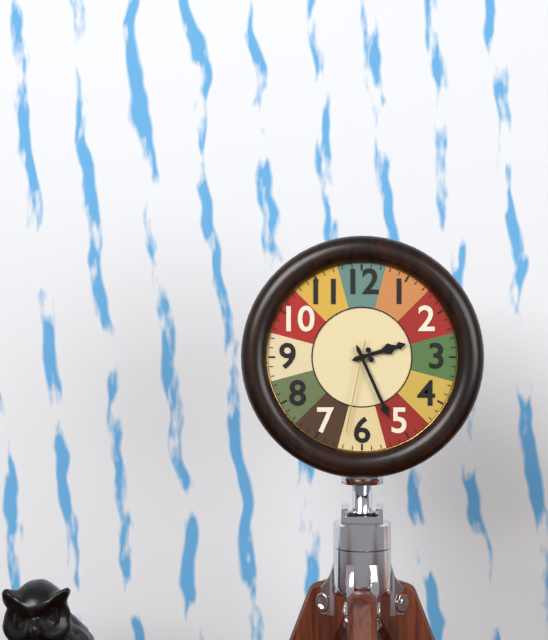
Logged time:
2h26m32s
